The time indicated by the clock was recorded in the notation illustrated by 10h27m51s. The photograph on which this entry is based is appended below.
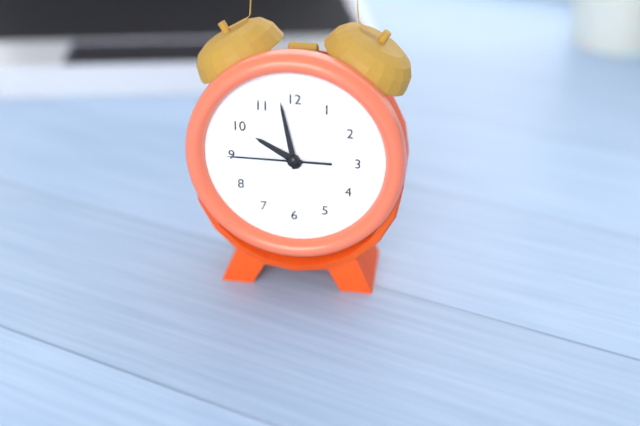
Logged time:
9h58m45s
